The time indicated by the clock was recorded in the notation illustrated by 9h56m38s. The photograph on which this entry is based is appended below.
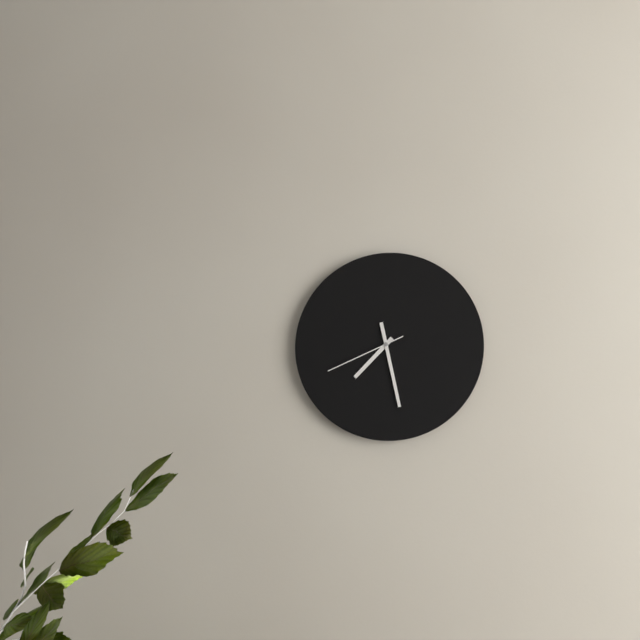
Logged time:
7h28m41s
